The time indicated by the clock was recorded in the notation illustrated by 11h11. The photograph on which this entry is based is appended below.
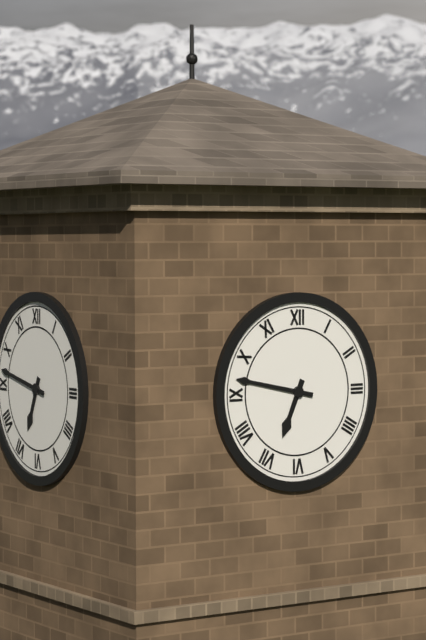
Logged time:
6h47
